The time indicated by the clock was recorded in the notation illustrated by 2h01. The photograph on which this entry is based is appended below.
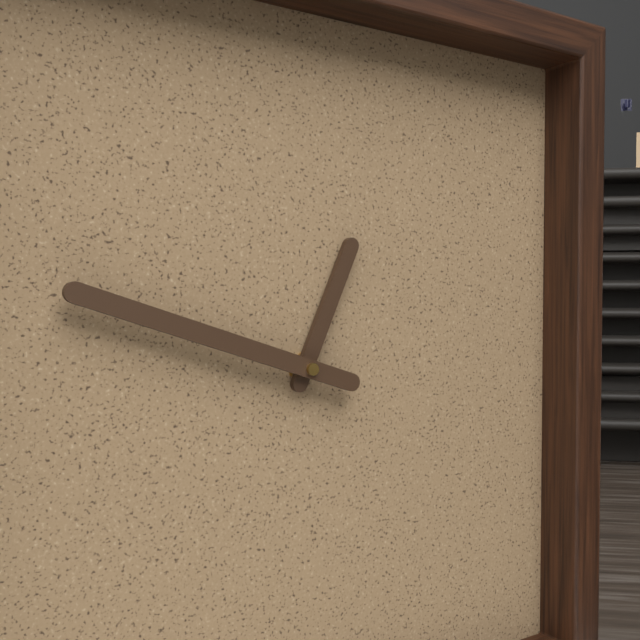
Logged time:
12h48
